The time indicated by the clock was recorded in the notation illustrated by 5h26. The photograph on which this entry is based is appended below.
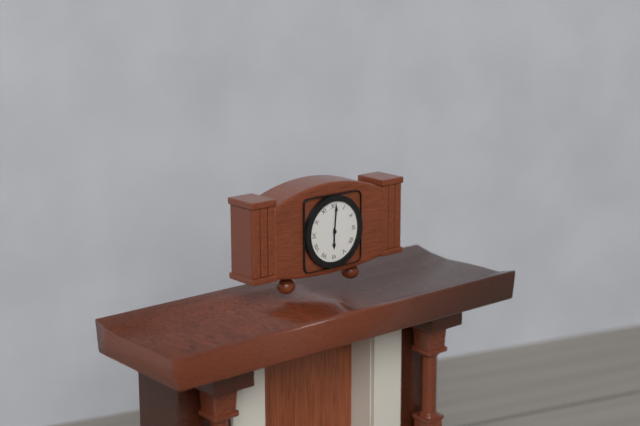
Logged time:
6h01
